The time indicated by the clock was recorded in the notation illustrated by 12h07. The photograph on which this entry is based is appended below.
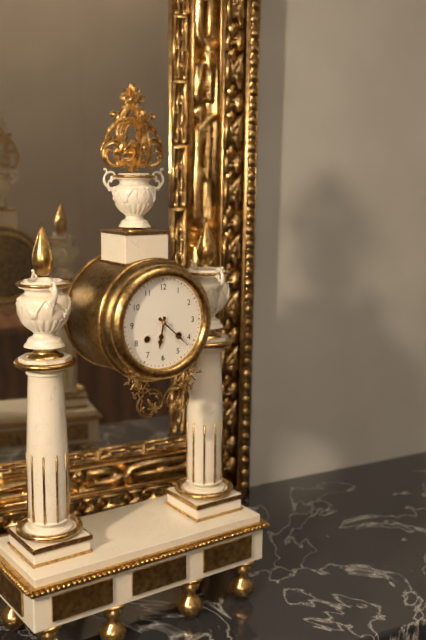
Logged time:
6h22
